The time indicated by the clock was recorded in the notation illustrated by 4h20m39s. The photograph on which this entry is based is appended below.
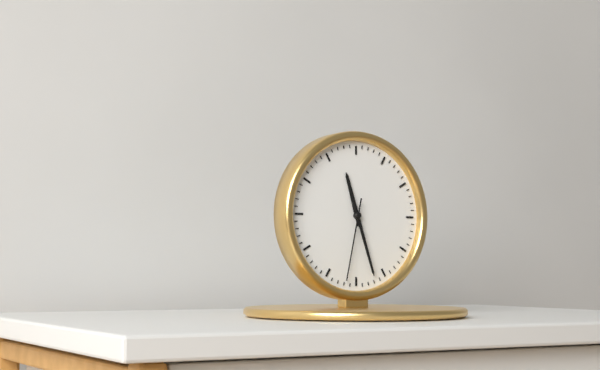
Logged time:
11h27m32s
